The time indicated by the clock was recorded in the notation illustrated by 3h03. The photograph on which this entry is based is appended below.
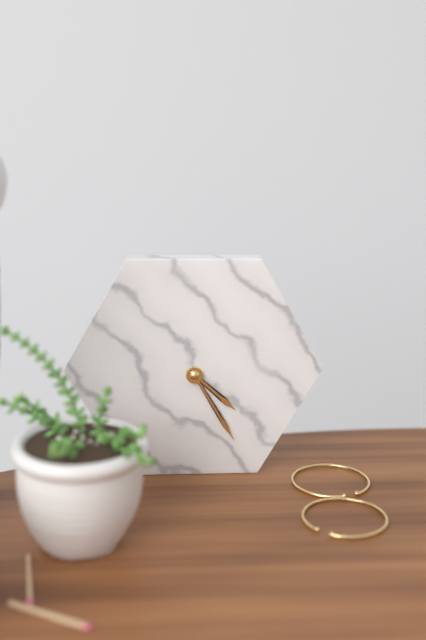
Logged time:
4h25
